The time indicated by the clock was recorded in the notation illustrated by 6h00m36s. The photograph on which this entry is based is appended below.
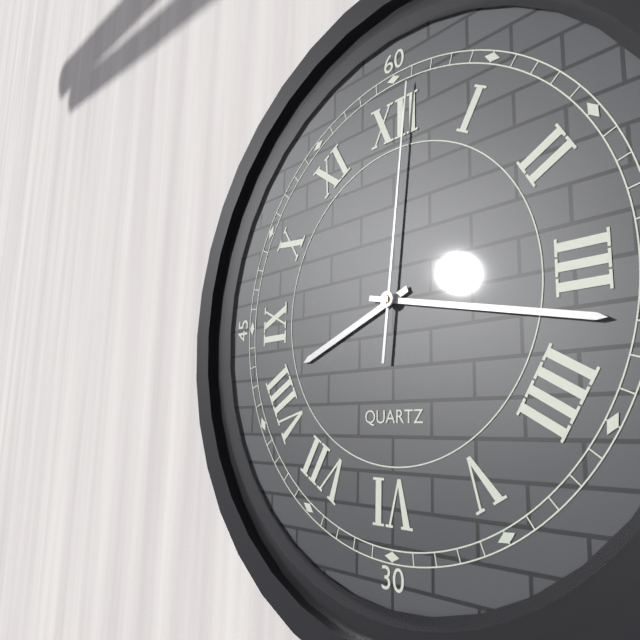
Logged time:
8h17m01s
